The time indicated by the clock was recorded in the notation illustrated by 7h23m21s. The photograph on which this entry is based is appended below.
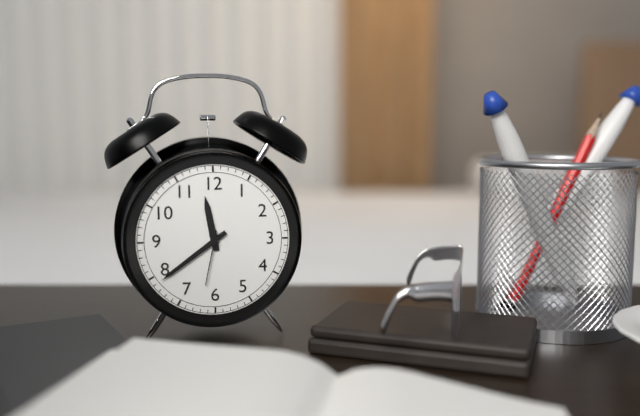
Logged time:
11h39m32s
